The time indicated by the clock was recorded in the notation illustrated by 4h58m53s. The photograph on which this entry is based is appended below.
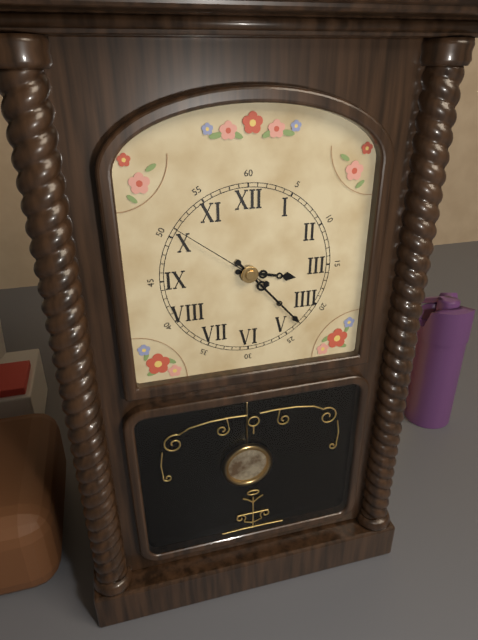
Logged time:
3h23m51s
